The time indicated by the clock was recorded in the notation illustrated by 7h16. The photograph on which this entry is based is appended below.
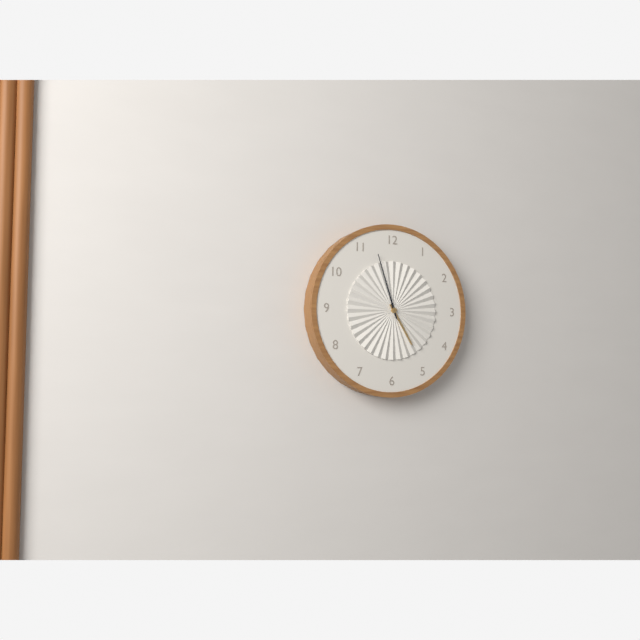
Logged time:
4h57
